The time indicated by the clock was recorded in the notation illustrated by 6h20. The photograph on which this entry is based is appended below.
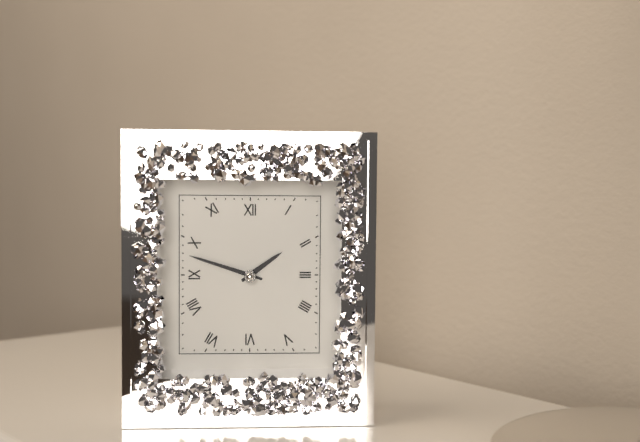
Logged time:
1h48
